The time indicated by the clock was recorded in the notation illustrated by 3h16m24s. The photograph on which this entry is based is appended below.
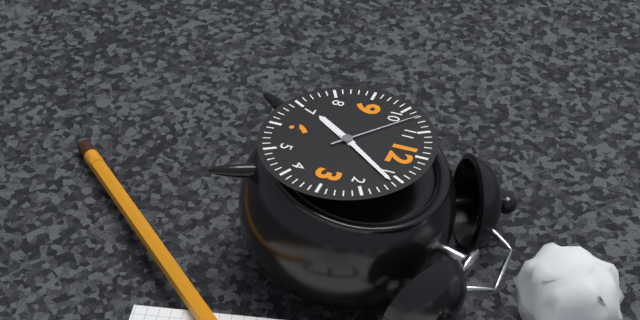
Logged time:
7h06m52s
